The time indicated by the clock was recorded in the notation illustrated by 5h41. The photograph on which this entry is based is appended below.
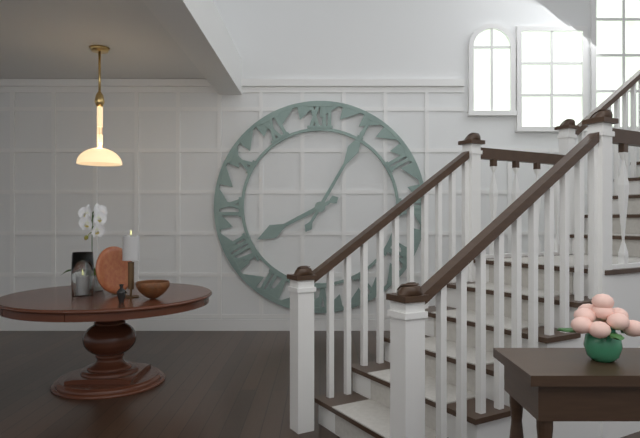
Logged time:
8h05
